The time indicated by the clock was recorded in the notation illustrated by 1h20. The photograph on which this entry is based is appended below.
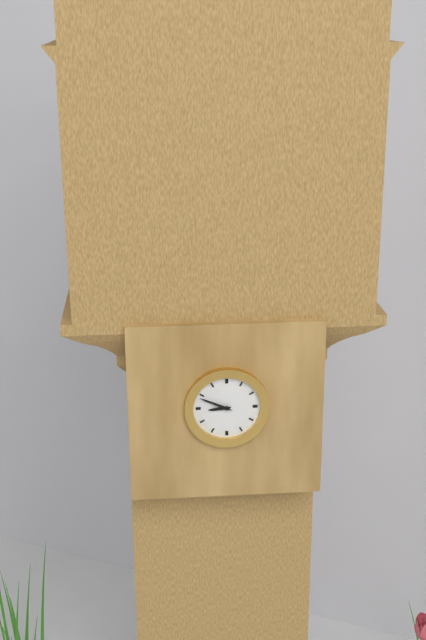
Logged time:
8h49
